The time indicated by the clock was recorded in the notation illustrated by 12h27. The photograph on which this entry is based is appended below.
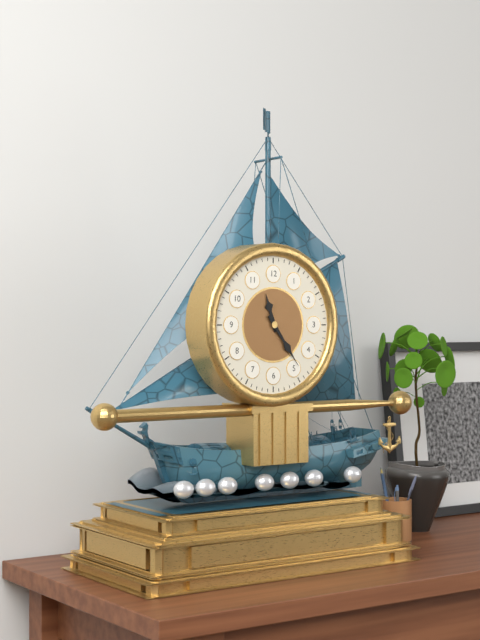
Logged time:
11h24
